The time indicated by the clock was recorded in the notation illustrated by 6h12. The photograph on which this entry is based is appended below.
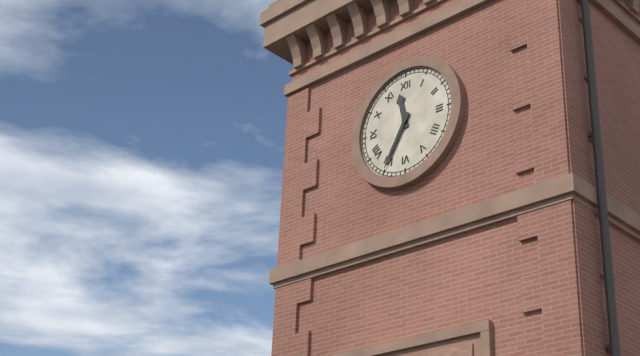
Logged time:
11h35
